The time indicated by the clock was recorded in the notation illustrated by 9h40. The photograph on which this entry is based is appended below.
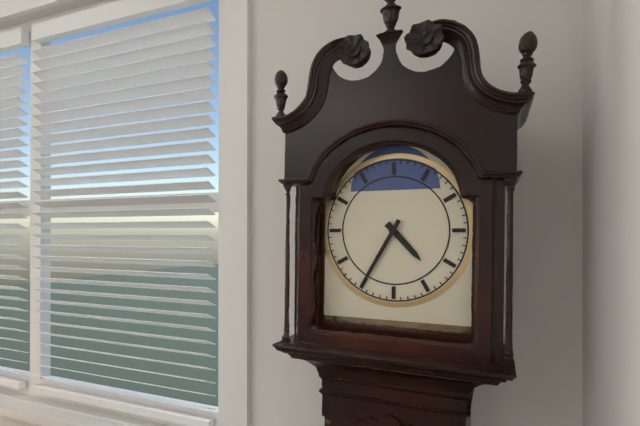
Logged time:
4h35
